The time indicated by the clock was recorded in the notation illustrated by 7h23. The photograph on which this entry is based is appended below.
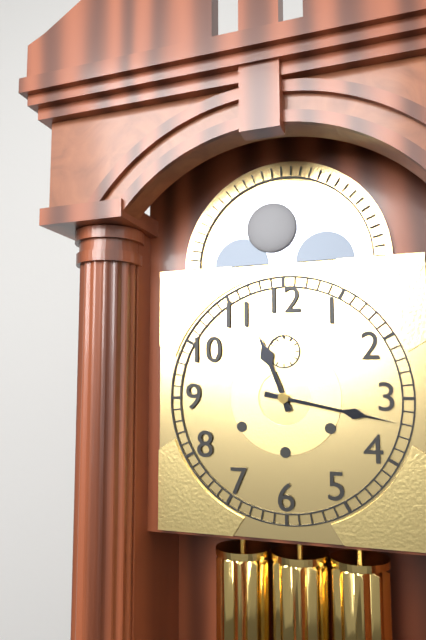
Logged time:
11h17
